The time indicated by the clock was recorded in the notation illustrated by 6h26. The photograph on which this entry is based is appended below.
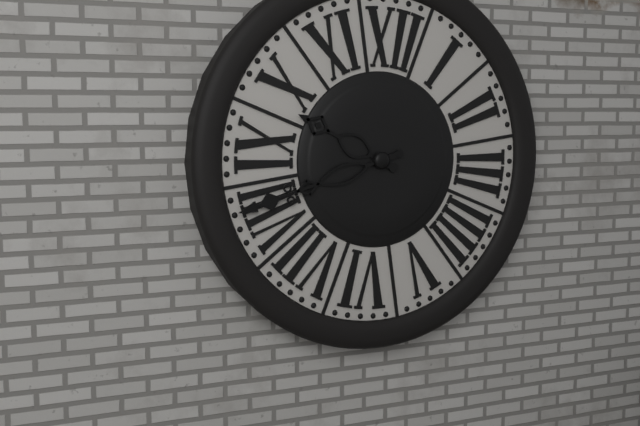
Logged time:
9h41
